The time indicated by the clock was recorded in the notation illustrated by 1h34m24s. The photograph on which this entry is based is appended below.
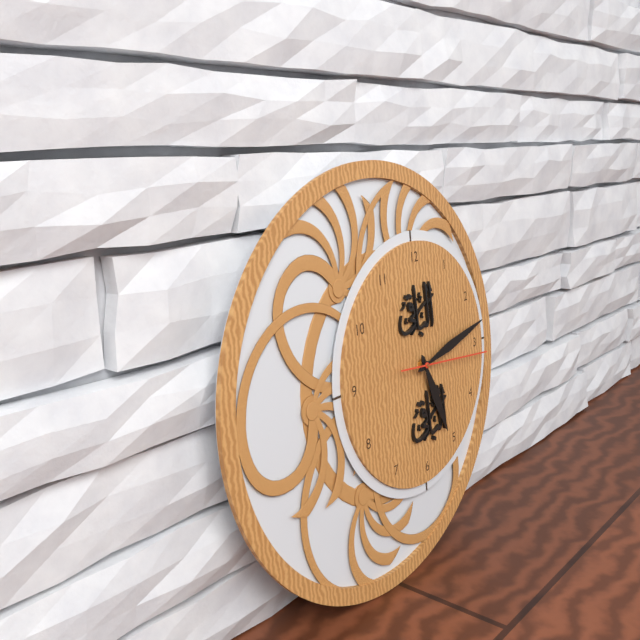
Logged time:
5h13m16s
